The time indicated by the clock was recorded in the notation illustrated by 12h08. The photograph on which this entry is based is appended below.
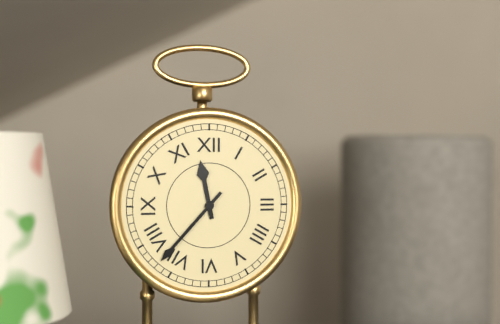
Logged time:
11h37
